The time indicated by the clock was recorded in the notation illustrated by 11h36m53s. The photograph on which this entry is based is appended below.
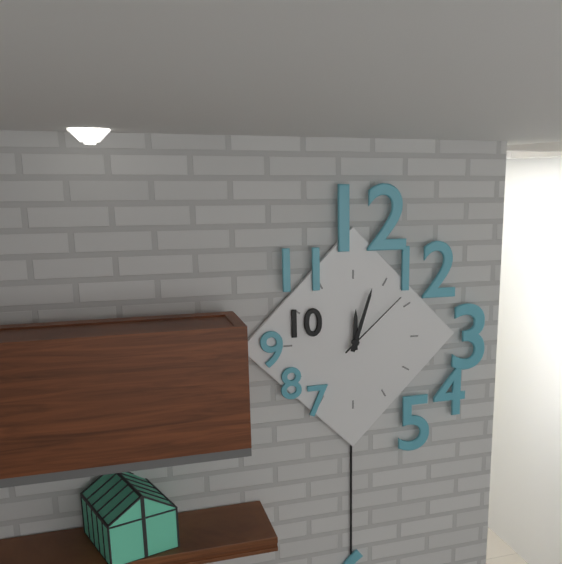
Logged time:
12h03m08s
